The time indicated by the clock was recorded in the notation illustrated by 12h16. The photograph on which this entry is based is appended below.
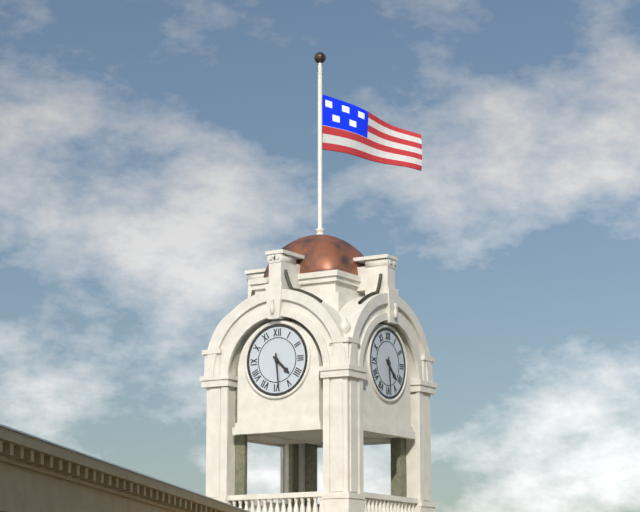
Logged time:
4h29
